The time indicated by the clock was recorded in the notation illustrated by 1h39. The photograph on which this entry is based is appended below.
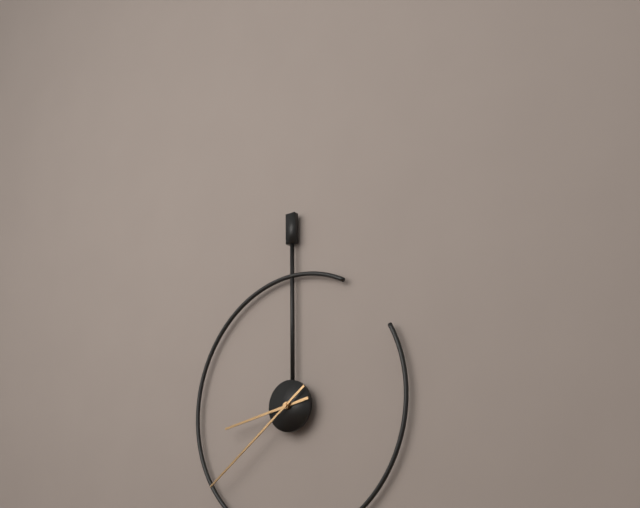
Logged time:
8h39
